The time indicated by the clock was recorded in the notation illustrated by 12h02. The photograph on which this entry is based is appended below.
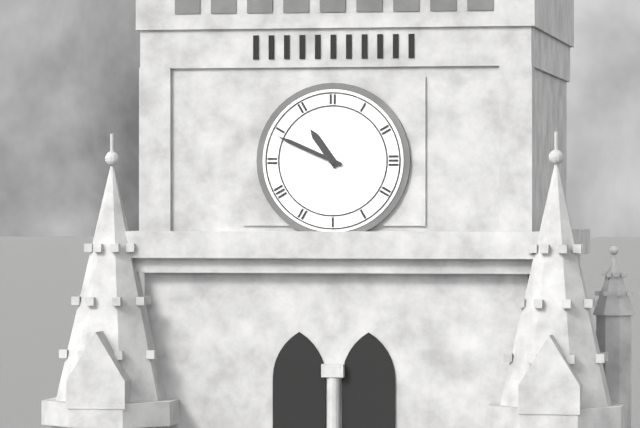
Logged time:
10h49
